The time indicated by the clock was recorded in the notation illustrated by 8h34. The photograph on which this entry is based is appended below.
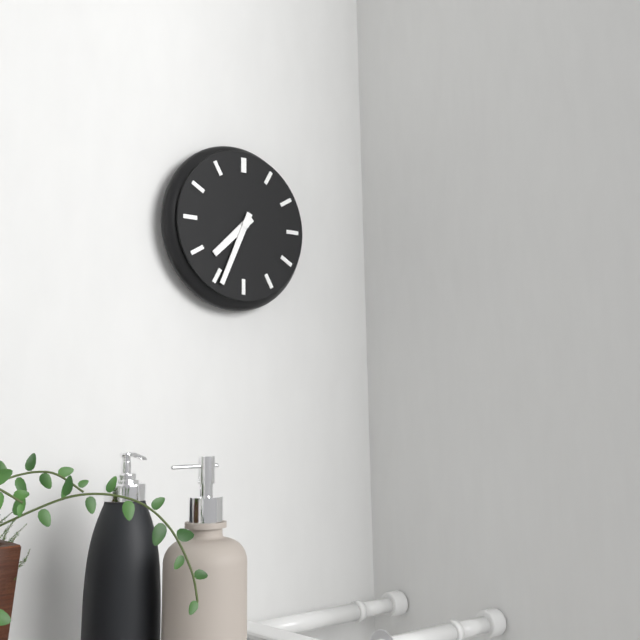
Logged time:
7h34
